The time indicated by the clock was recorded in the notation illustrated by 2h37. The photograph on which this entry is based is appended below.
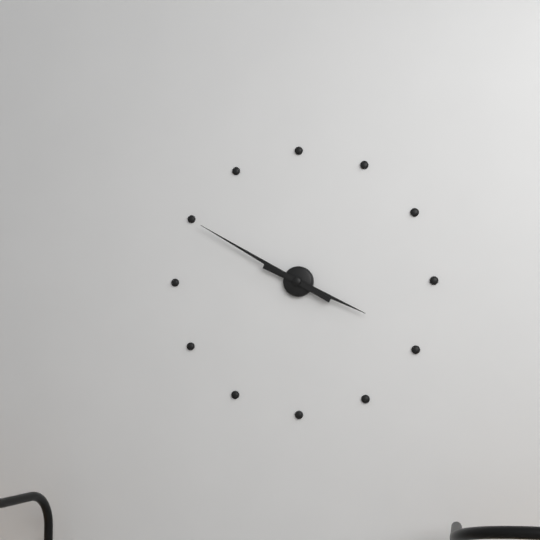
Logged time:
3h50
